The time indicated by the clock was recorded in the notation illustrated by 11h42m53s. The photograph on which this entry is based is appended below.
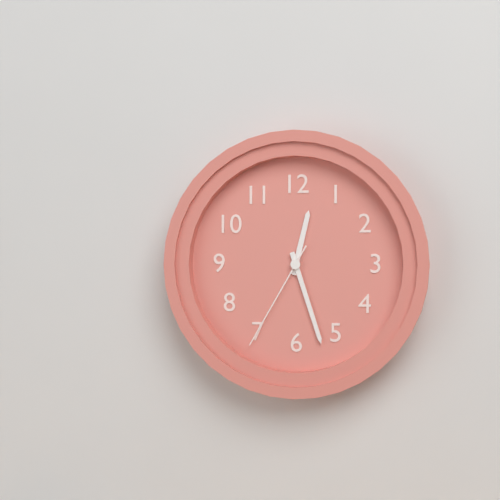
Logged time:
12h27m35s
